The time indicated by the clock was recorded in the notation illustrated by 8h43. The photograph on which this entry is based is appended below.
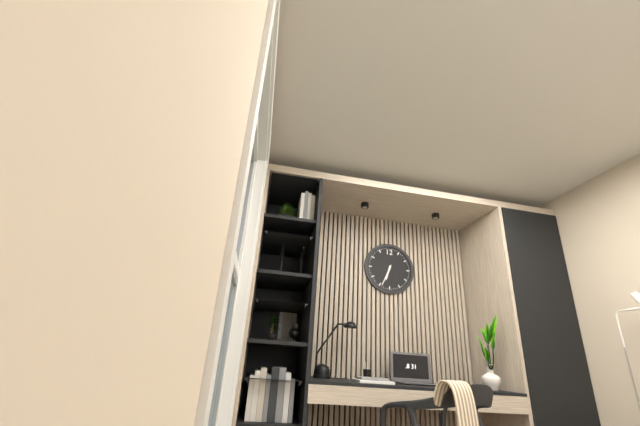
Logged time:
6h34
